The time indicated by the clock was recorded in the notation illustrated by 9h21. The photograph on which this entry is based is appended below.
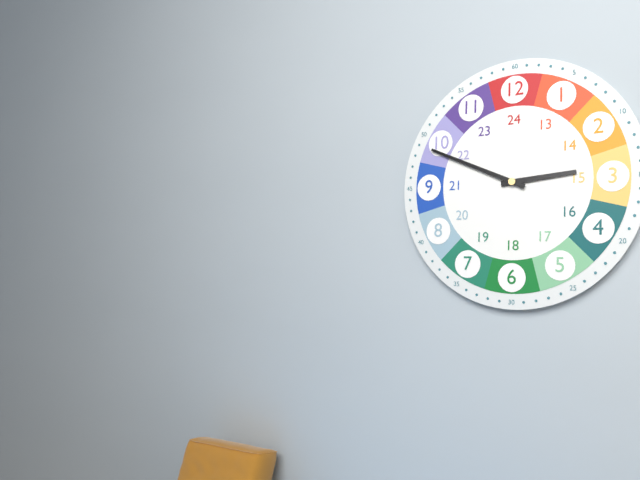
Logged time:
2h49
